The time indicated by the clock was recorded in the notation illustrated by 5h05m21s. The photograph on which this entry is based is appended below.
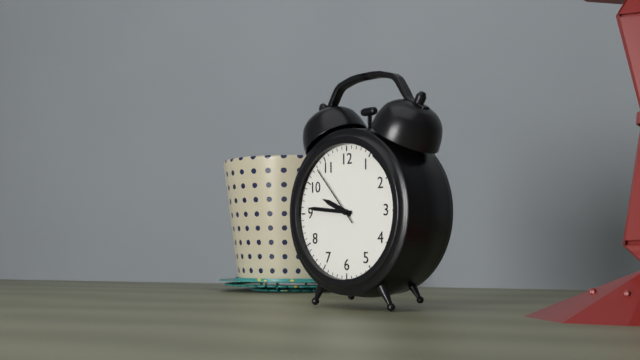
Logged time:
9h46m53s
